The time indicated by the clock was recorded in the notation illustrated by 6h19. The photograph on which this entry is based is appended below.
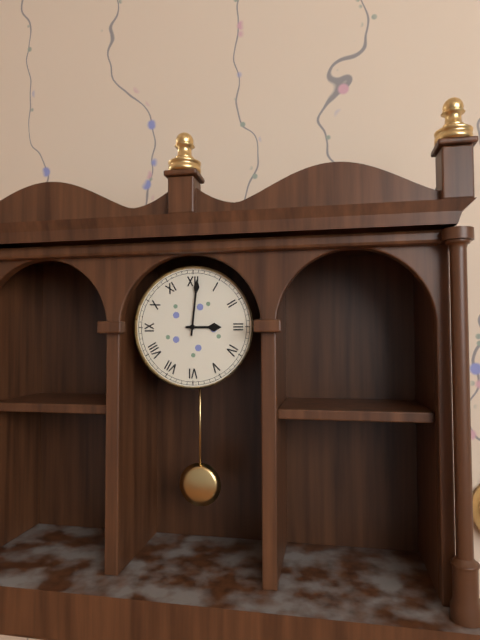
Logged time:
3h01
